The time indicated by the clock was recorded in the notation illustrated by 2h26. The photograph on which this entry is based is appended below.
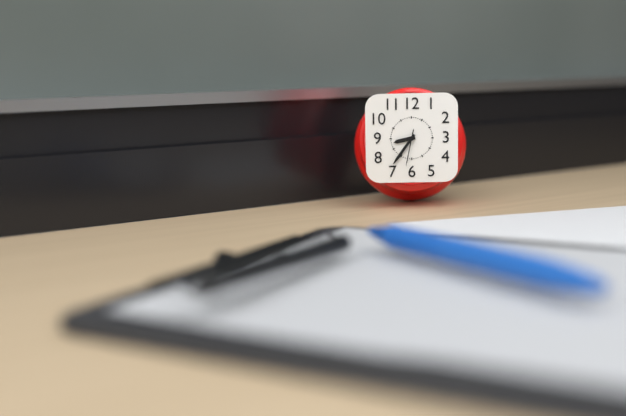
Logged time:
8h36
